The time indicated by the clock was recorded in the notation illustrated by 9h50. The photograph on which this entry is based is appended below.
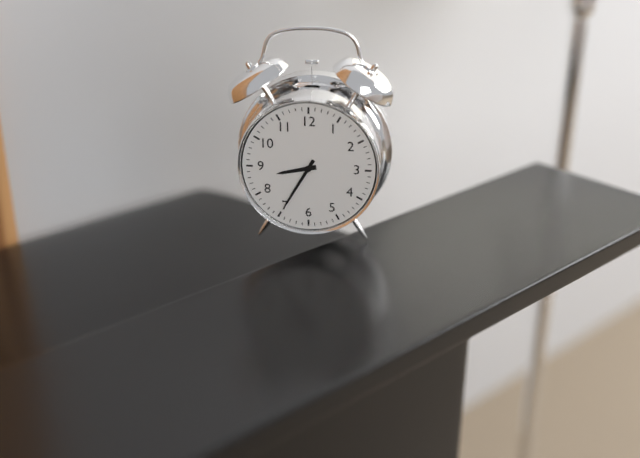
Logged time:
8h35
